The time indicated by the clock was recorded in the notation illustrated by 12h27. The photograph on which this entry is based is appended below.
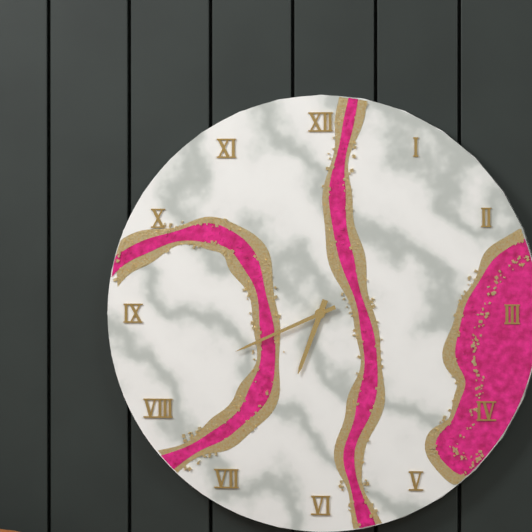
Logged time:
6h41
